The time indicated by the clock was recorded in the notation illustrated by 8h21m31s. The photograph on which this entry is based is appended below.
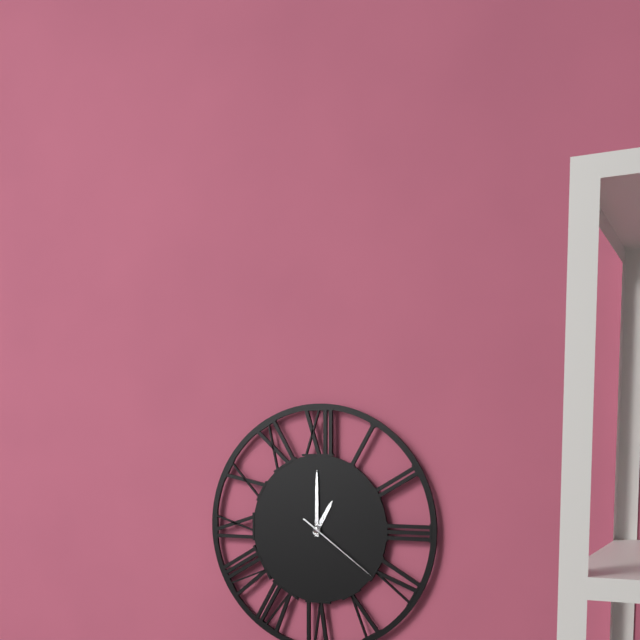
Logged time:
1h00m21s
